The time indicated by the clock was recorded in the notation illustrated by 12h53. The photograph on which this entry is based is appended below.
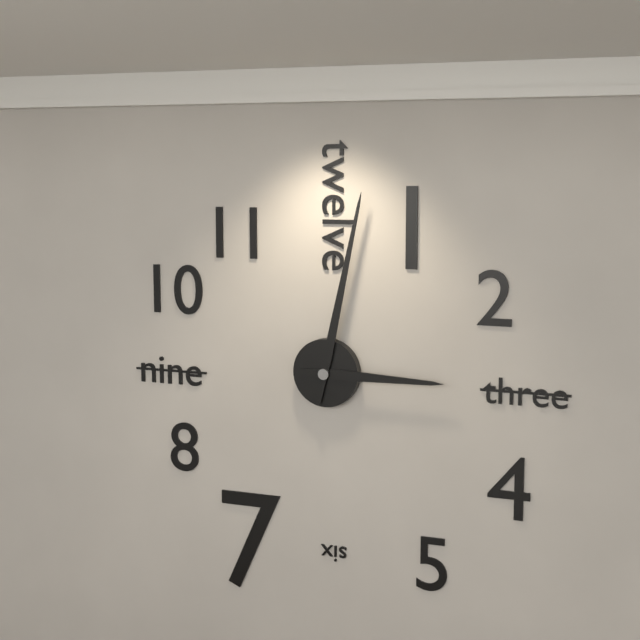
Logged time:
3h02
